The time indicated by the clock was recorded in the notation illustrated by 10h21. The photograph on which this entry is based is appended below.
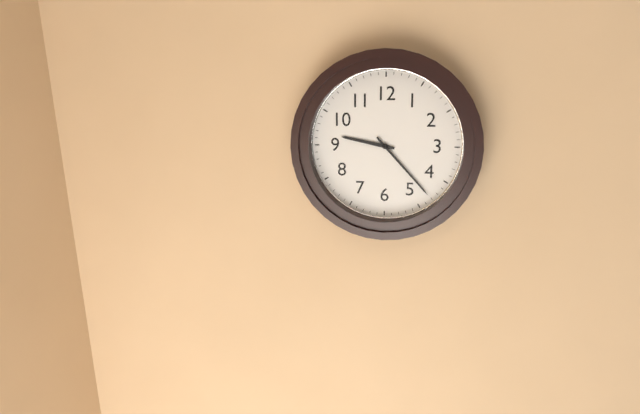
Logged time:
9h23
